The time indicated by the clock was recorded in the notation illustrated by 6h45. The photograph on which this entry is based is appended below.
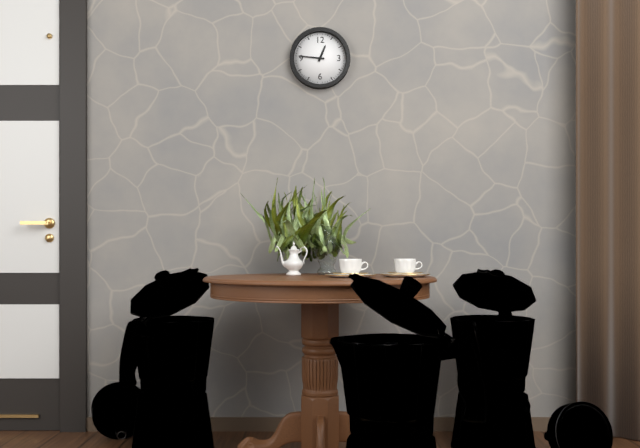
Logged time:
12h46
